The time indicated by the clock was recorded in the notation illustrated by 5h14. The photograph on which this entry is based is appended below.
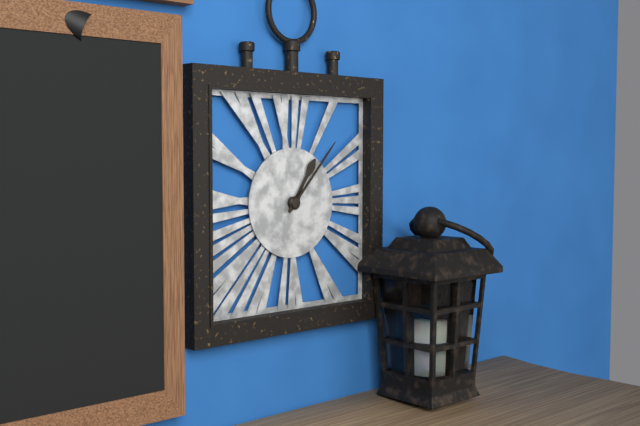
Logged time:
1h07
